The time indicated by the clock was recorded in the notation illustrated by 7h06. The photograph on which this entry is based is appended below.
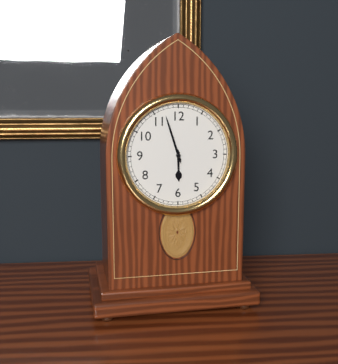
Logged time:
5h57
